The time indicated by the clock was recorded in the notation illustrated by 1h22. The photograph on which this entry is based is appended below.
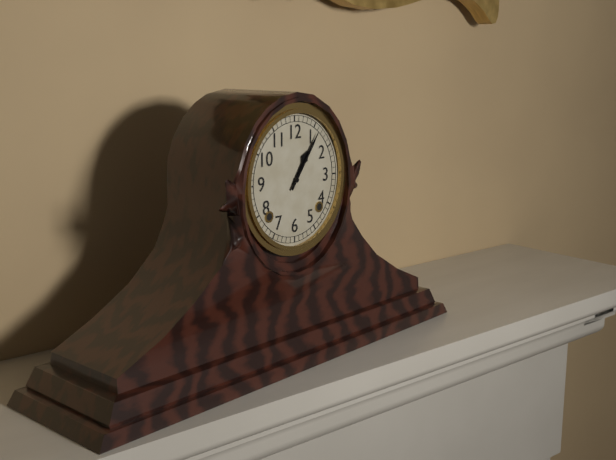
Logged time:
1h06
